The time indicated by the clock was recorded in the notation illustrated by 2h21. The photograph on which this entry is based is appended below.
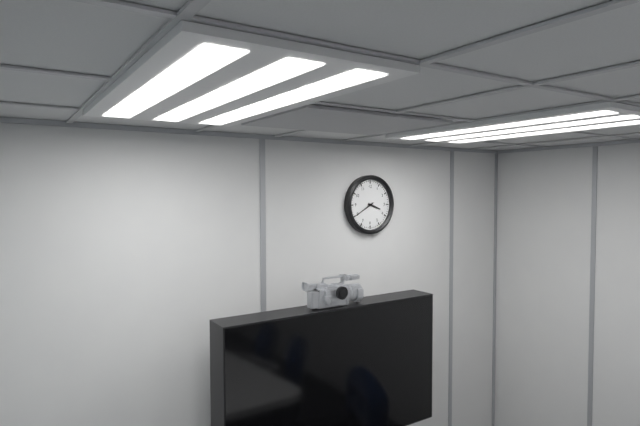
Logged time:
3h40
